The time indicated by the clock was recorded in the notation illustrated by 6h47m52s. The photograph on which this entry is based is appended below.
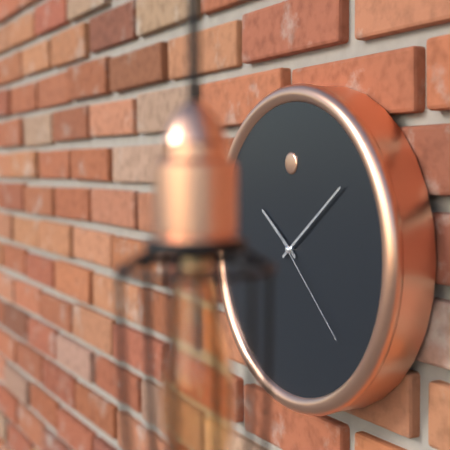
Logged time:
10h09m22s
